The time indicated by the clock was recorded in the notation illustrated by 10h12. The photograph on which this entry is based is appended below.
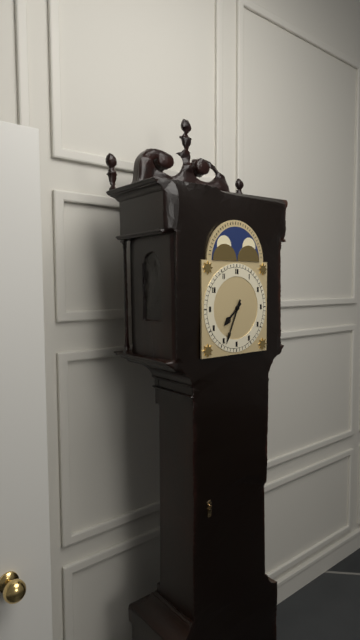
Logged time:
7h34
